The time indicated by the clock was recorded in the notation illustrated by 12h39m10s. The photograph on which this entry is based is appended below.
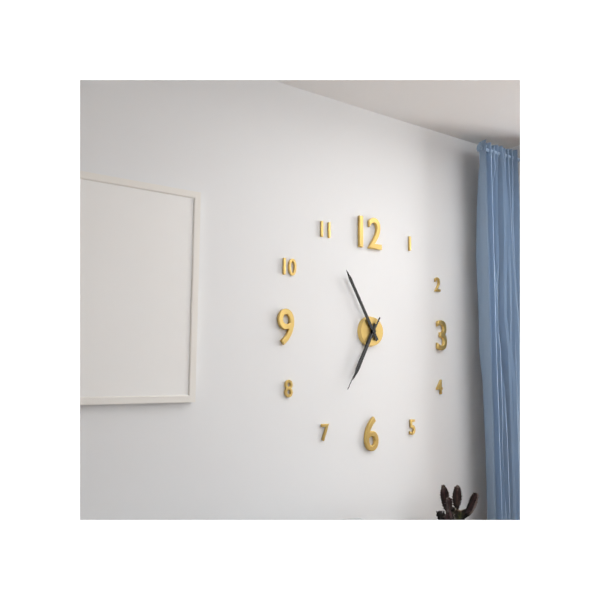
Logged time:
6h55m35s
